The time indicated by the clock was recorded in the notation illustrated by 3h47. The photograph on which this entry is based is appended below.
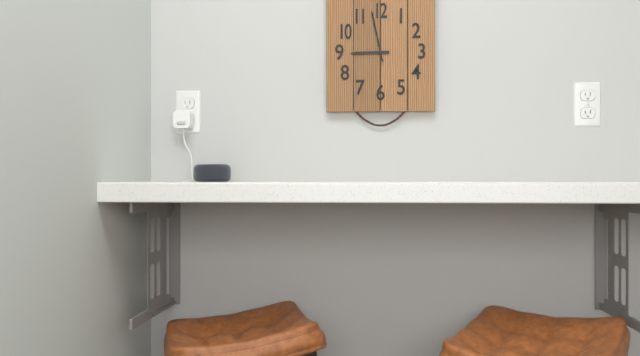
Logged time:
8h58
